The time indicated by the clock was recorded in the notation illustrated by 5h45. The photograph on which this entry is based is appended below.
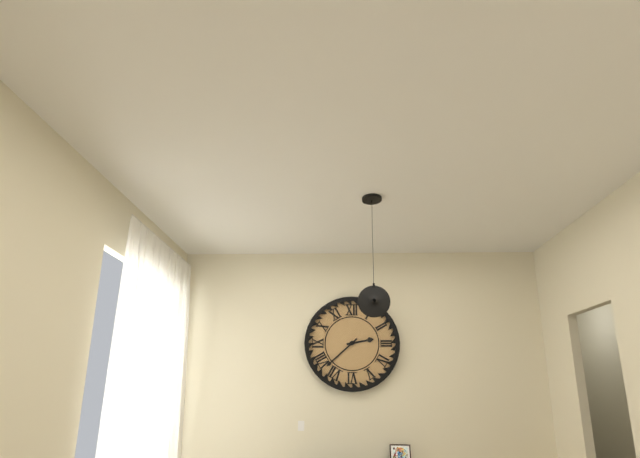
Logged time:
2h38
